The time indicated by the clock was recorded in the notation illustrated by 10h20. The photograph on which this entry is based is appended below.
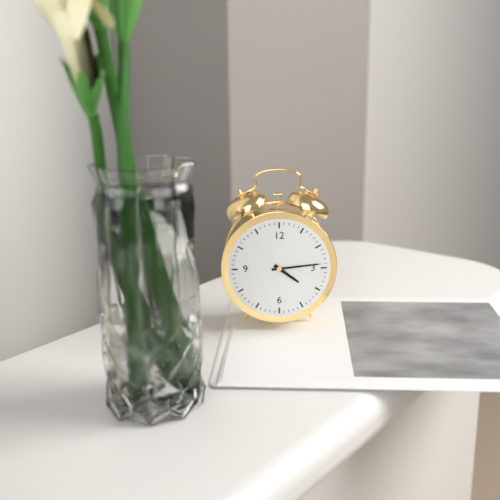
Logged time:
4h14
